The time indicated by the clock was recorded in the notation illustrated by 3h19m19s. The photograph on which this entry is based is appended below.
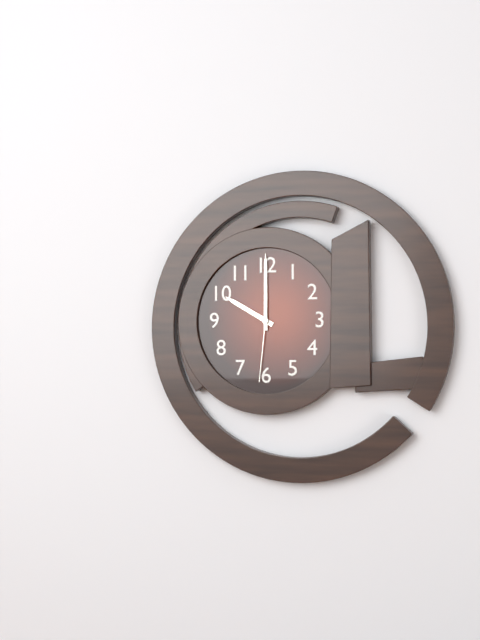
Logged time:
10h00m31s
